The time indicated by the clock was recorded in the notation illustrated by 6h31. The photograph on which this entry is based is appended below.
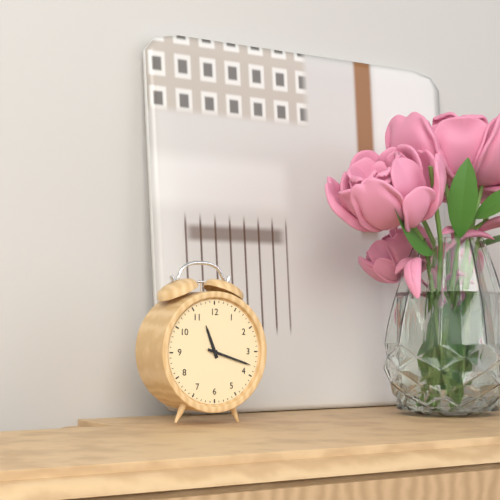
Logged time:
11h18
